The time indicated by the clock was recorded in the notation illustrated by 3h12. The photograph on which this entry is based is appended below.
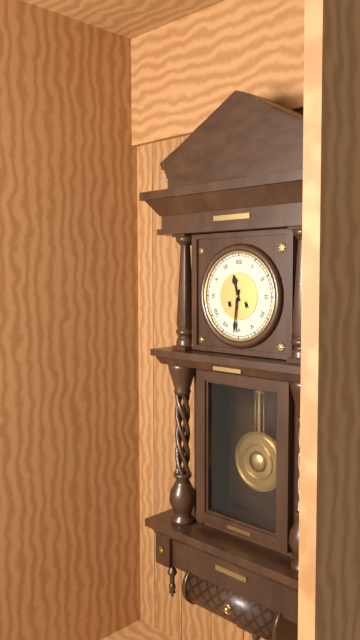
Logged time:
11h31
